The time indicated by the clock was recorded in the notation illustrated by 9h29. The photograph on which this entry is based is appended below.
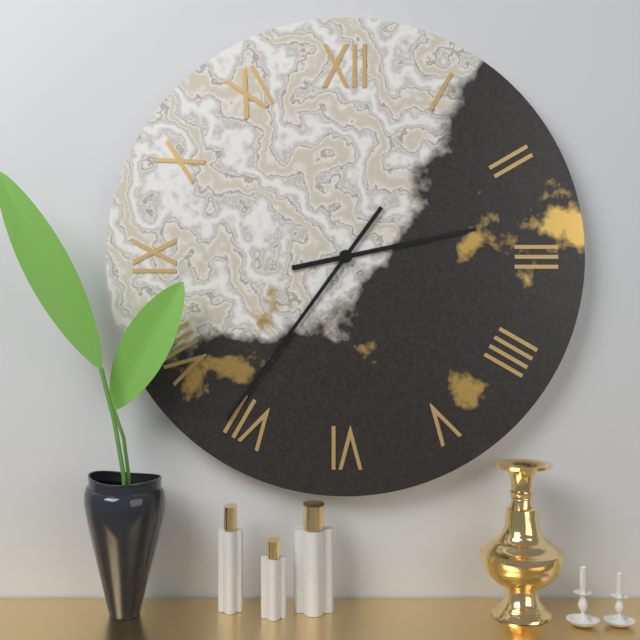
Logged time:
2h36
